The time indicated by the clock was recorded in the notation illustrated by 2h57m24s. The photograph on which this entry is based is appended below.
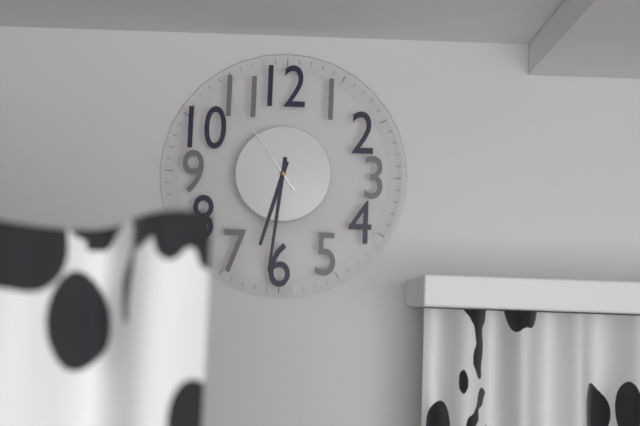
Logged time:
6h31m54s
